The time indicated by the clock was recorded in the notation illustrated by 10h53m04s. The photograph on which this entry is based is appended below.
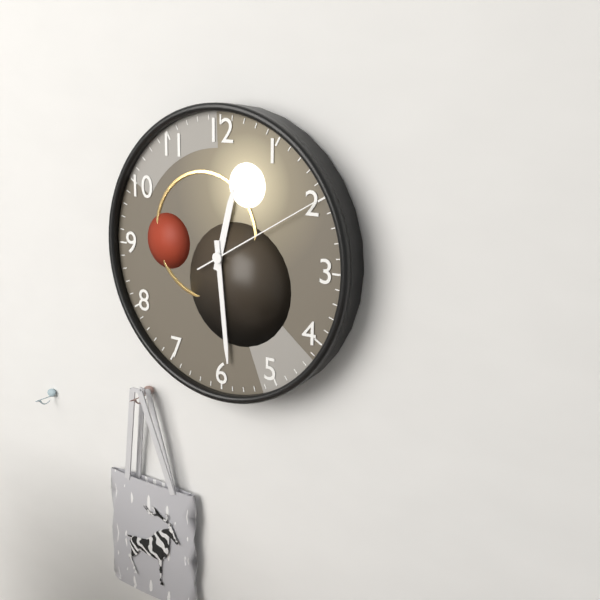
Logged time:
12h29m10s
